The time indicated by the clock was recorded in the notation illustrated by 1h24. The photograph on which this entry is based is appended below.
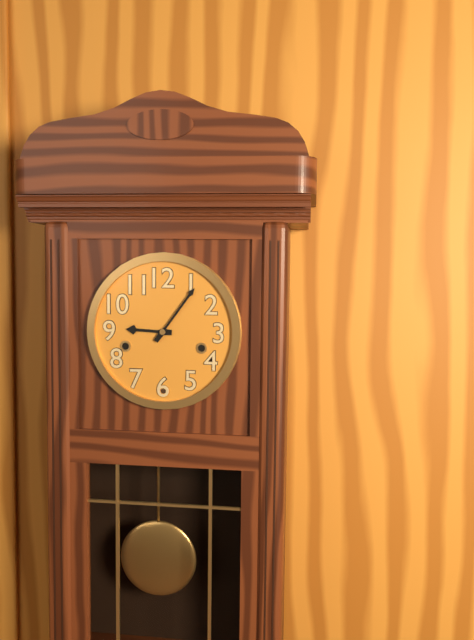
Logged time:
9h06
